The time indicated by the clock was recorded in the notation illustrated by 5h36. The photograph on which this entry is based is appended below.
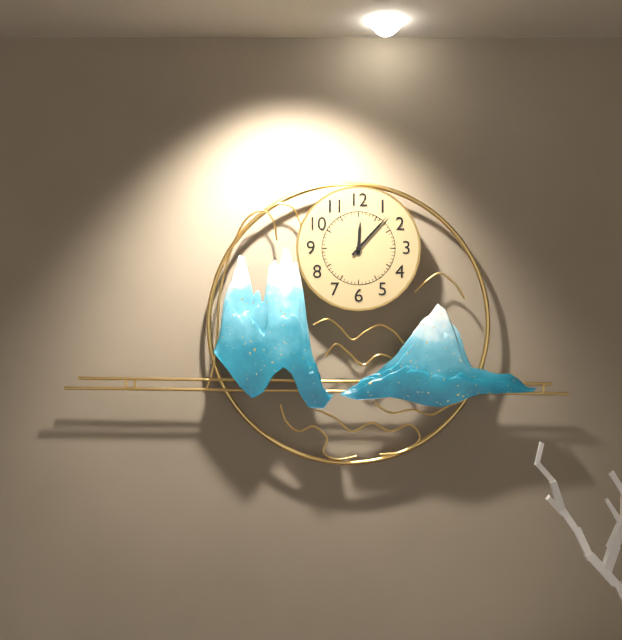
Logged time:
12h07
